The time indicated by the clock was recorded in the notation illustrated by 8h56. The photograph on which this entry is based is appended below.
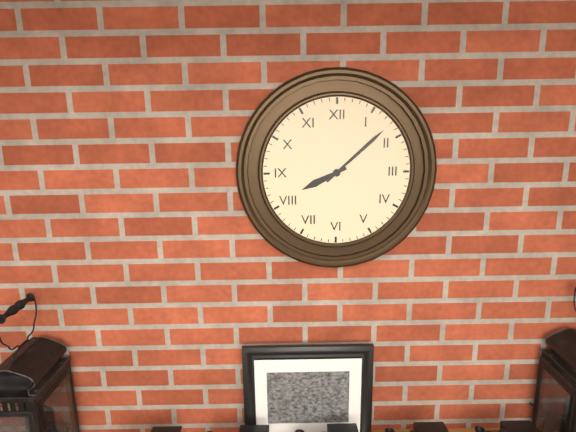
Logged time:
8h08
